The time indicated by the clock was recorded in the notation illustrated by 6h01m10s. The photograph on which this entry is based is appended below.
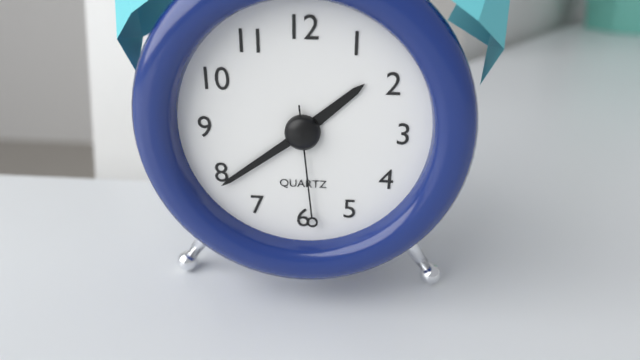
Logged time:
1h39m29s
